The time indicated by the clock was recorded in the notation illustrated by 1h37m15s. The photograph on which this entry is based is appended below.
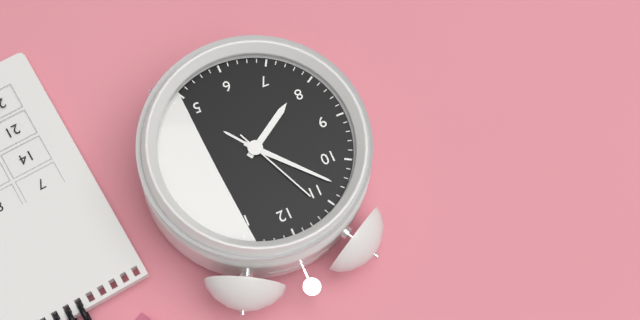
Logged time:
7h53m56s
